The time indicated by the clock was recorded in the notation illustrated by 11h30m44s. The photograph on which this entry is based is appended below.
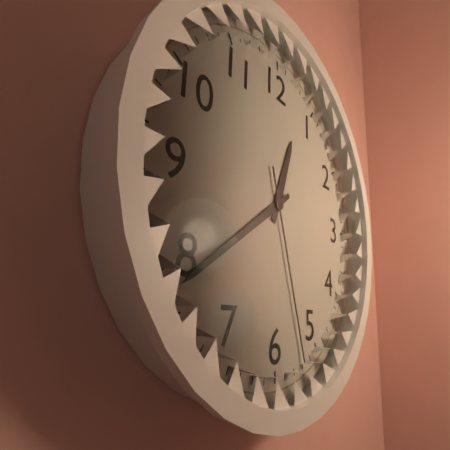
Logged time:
12h39m27s
